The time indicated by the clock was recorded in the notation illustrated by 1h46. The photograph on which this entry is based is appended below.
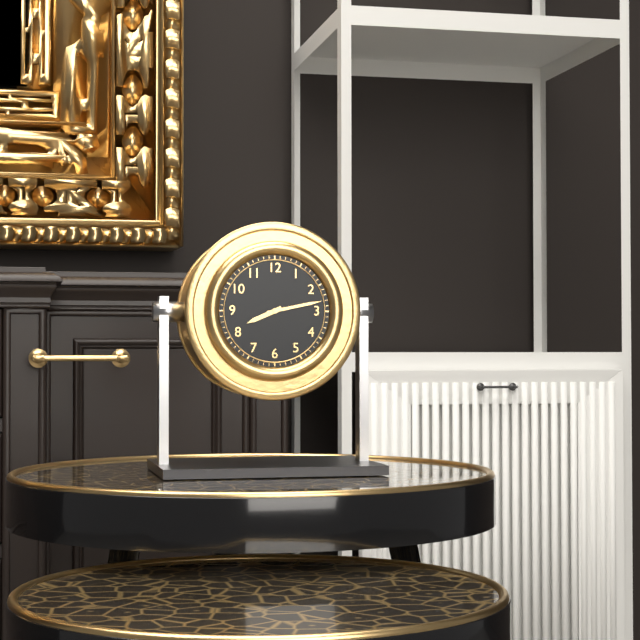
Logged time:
8h13
